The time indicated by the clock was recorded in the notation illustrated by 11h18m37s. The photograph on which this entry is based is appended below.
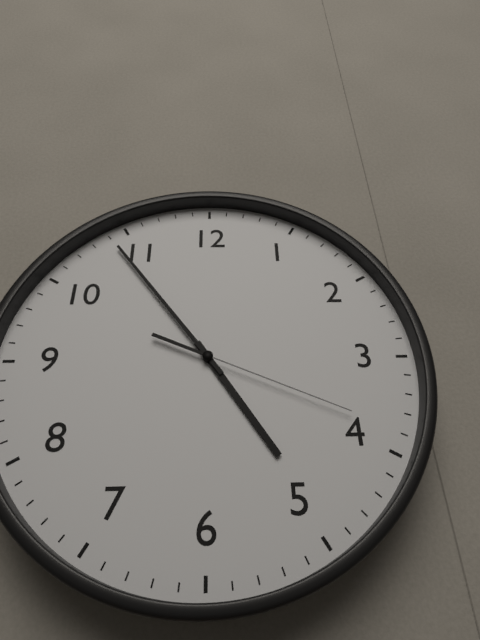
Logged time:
4h54m19s
